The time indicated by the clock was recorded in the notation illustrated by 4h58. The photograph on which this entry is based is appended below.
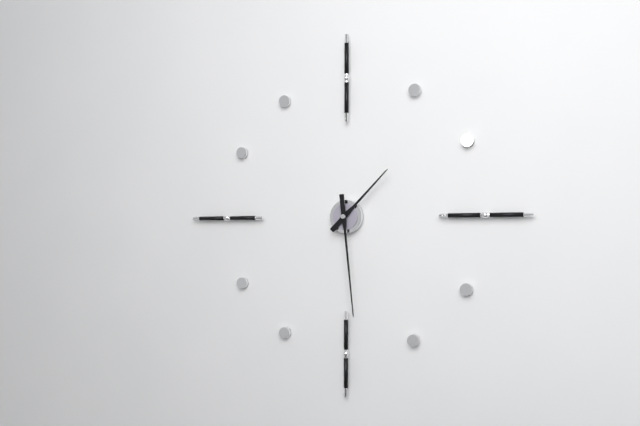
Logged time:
1h29
